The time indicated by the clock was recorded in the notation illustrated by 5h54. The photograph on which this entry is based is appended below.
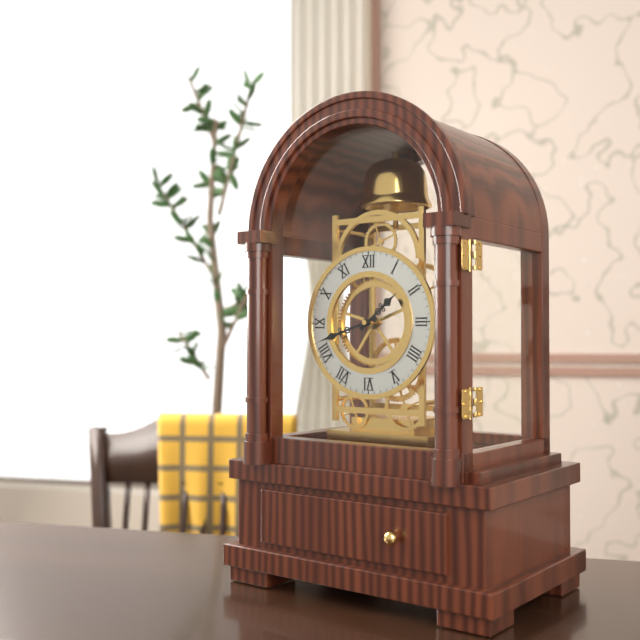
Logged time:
1h42
